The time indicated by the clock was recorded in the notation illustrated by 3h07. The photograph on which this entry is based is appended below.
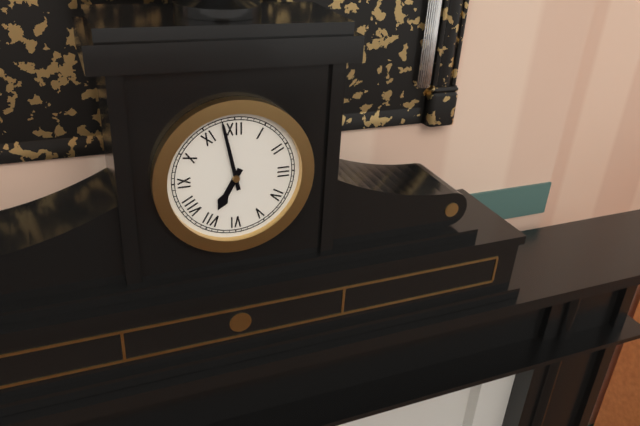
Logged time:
6h58
